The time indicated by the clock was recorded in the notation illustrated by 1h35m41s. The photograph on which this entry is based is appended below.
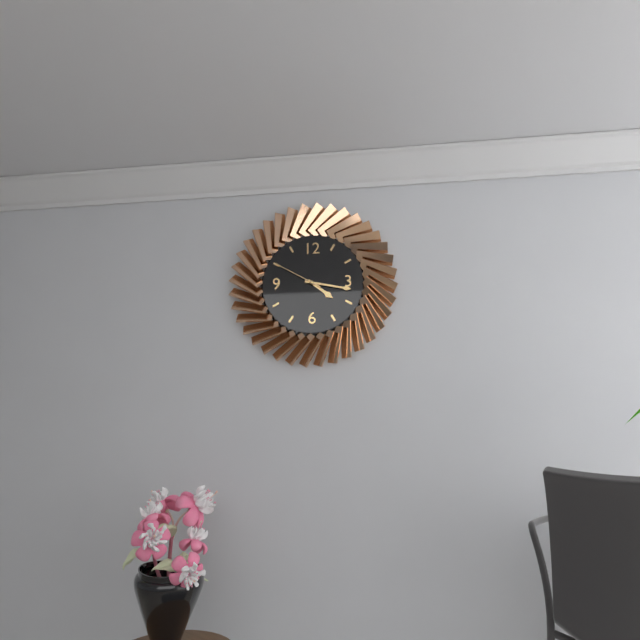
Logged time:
4h17m50s
